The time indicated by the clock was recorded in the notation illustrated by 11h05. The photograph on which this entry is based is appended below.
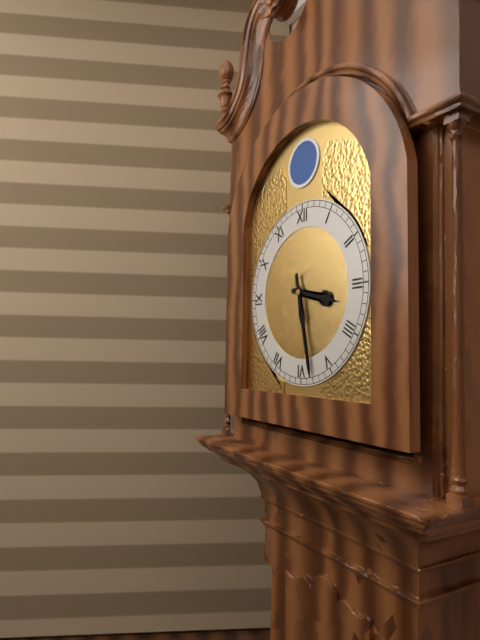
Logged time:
3h28
